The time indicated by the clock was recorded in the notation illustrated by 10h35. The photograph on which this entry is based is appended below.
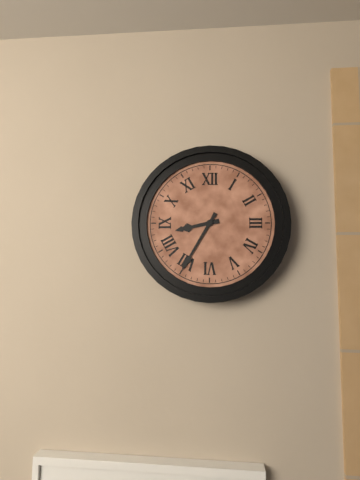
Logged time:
8h35
